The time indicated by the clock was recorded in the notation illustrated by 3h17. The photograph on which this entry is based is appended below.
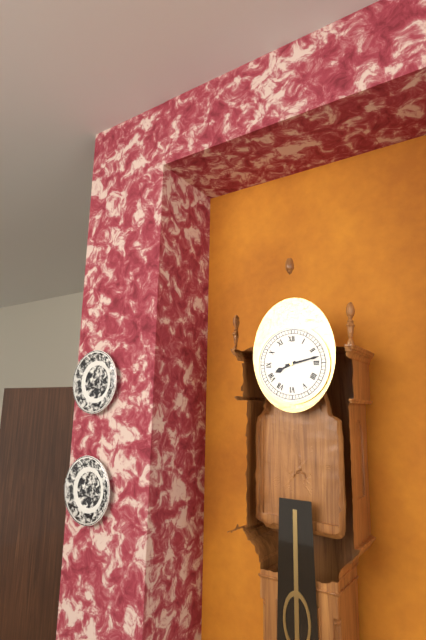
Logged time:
8h13
